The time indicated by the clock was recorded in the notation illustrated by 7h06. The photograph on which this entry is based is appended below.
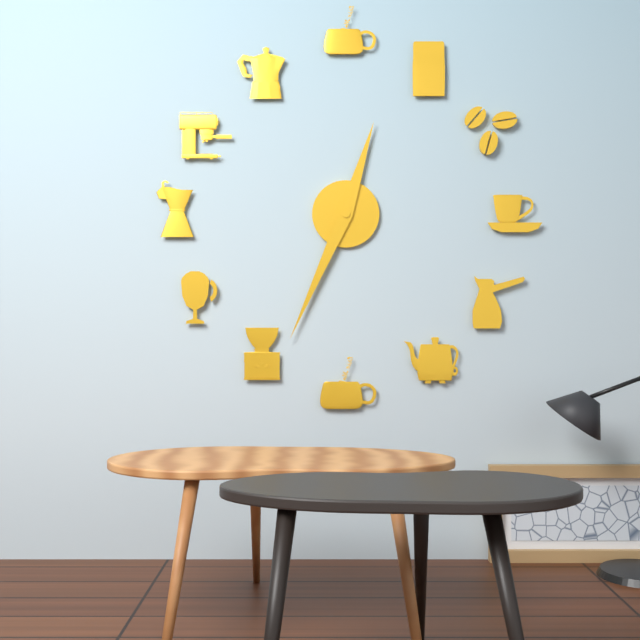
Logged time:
12h34
